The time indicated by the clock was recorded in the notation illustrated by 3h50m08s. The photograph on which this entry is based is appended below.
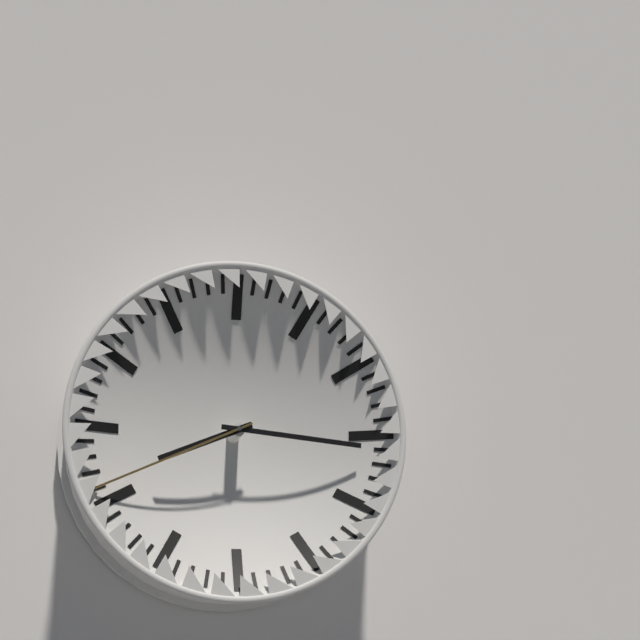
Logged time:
8h16m41s
